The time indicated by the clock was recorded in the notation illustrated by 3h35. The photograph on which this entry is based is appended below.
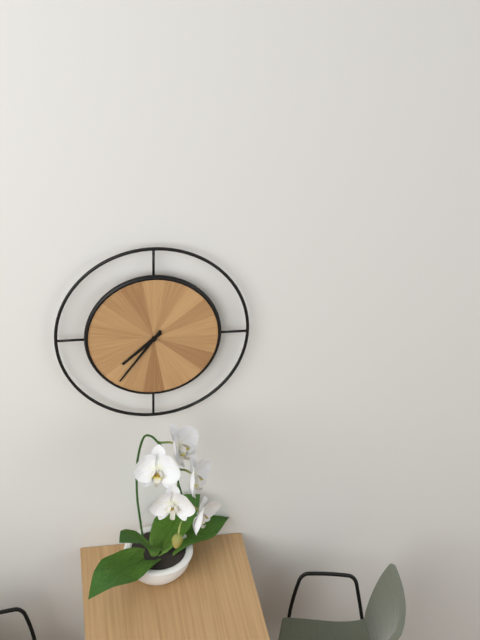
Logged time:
7h36
